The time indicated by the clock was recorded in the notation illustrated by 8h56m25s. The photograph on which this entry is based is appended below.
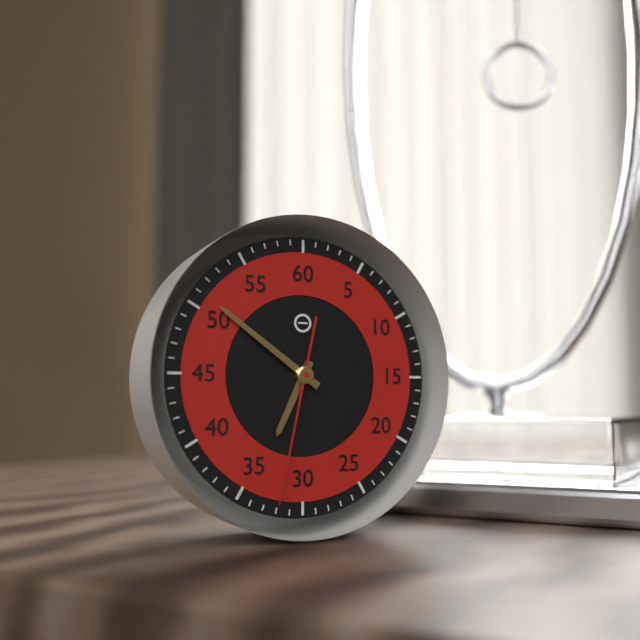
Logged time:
6h51m32s
